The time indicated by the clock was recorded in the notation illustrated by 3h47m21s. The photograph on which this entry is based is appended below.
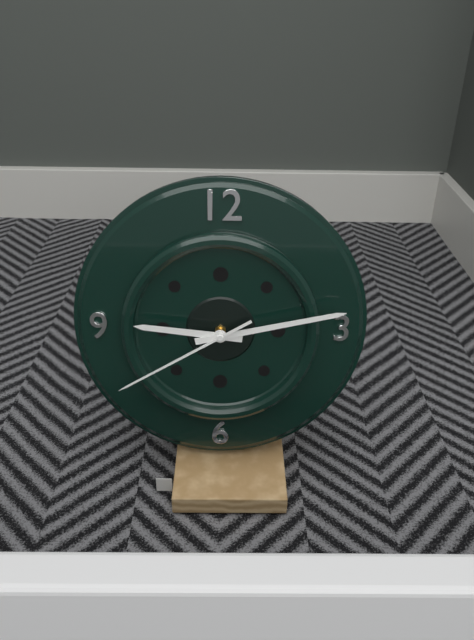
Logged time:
9h13m40s
